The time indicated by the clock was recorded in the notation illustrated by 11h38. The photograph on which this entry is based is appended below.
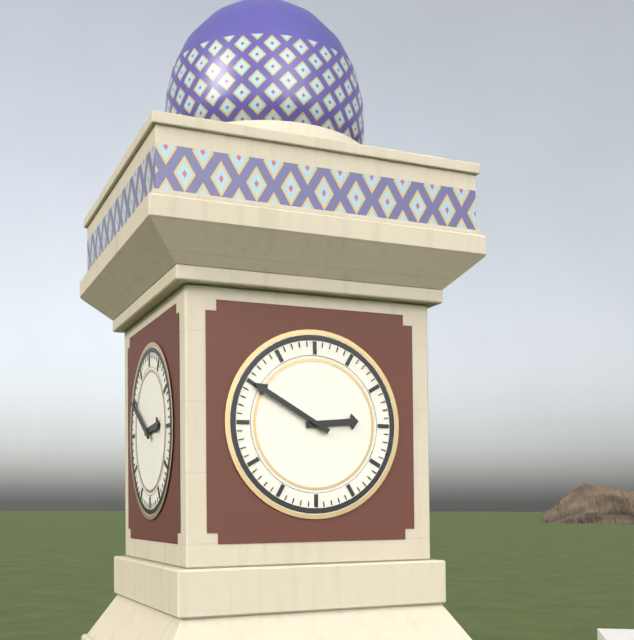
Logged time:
2h50
